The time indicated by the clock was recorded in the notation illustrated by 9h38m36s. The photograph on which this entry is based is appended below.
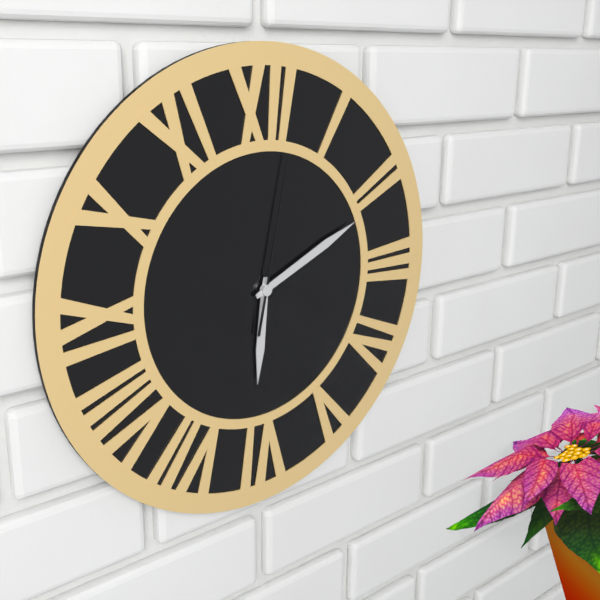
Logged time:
6h11m02s
